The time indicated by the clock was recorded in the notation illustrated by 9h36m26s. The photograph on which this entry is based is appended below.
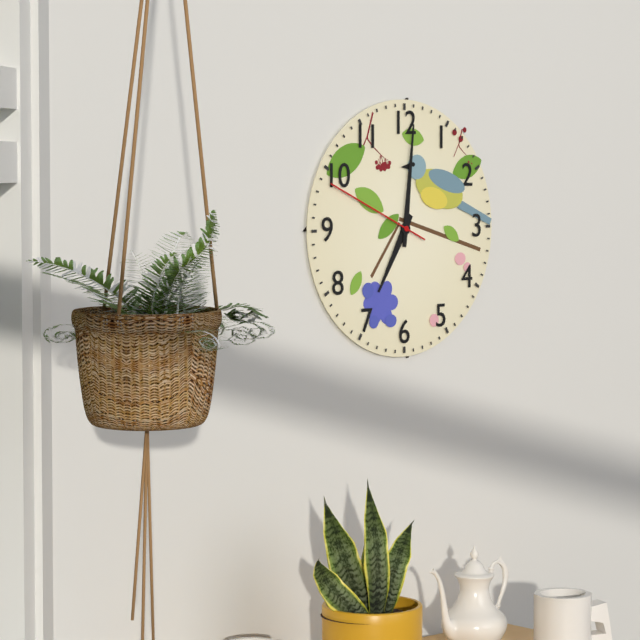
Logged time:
7h01m49s
